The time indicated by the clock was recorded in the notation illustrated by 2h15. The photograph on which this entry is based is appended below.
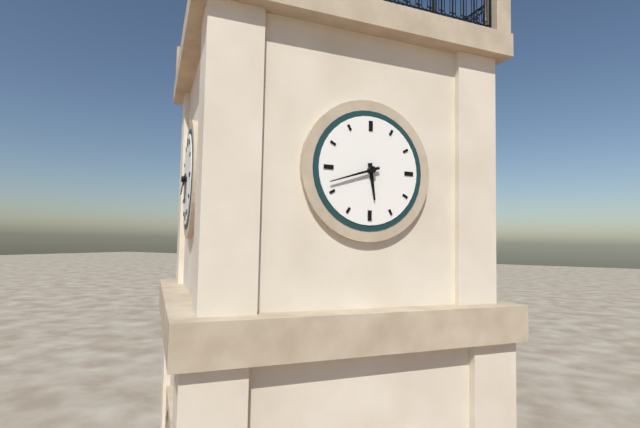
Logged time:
5h42
